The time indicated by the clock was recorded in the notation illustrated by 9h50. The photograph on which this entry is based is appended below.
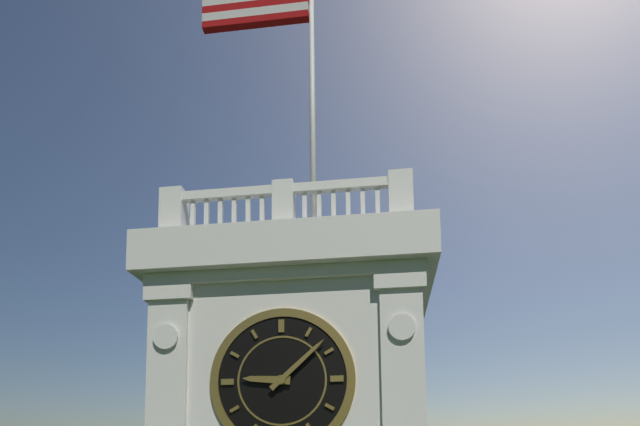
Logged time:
9h08
